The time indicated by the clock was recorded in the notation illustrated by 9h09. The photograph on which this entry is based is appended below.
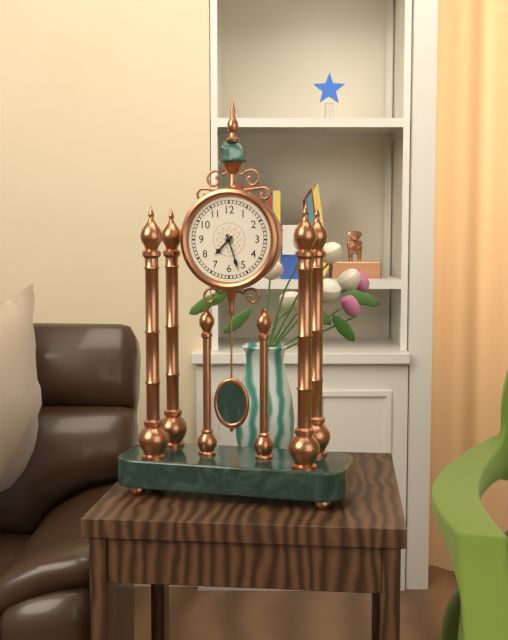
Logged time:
7h27
